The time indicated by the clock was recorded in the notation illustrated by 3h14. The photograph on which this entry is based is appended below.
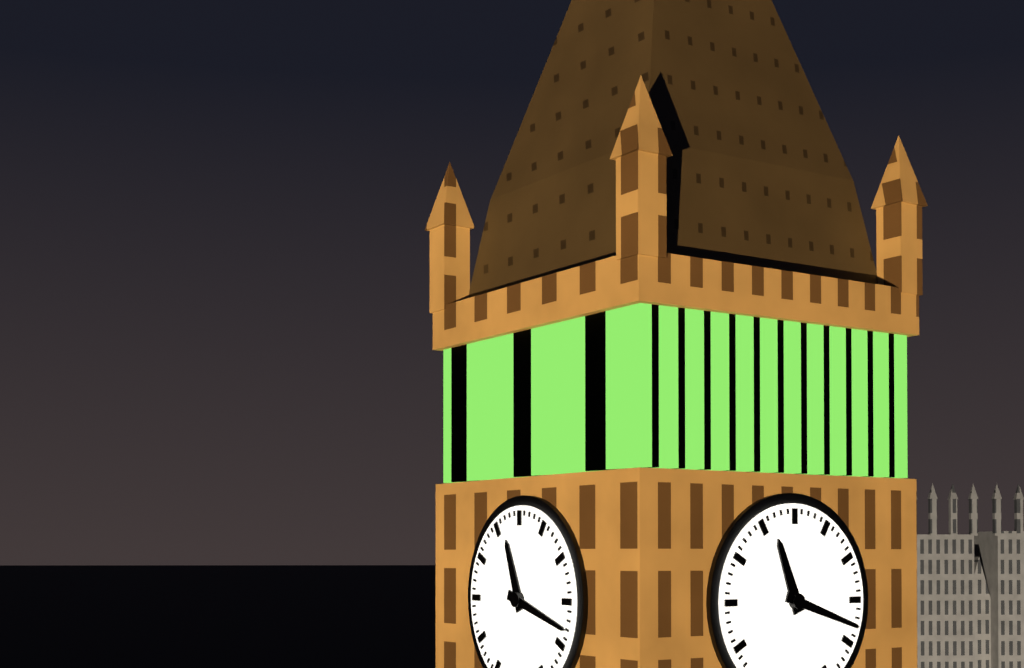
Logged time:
11h18
